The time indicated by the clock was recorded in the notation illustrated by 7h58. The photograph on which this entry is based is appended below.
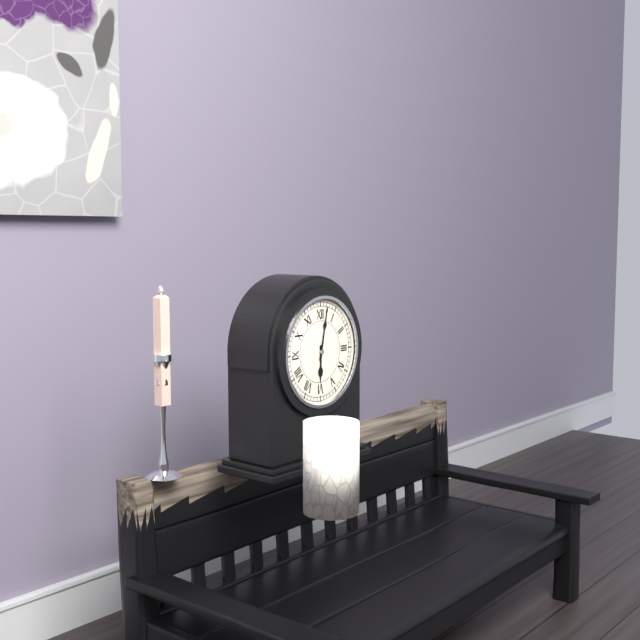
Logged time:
6h02
